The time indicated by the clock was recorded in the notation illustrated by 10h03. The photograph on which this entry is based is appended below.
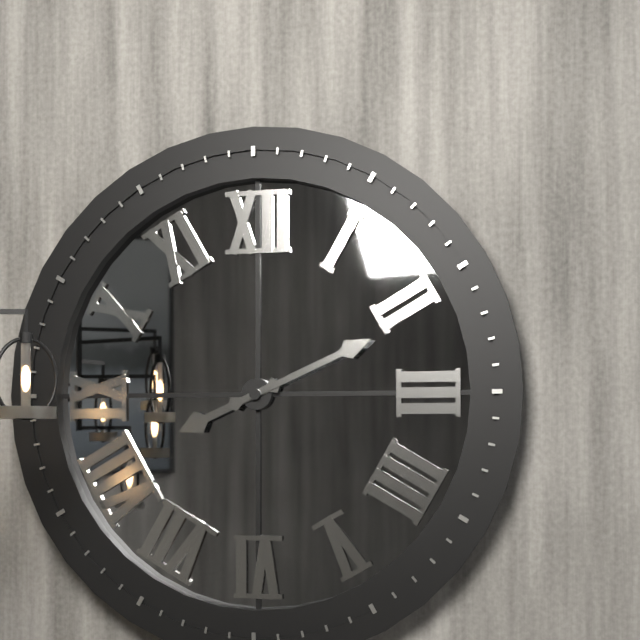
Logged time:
8h11
